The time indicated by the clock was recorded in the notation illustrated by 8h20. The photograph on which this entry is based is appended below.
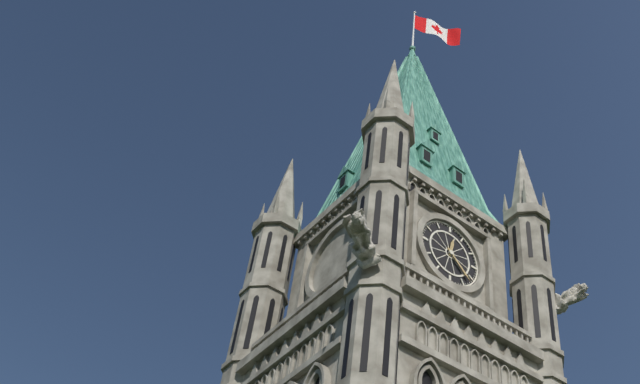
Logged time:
12h22
